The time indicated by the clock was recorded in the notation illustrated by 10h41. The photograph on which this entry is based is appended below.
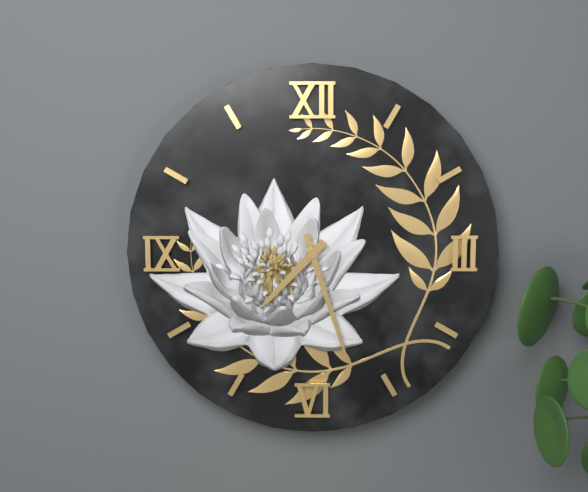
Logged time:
7h27
